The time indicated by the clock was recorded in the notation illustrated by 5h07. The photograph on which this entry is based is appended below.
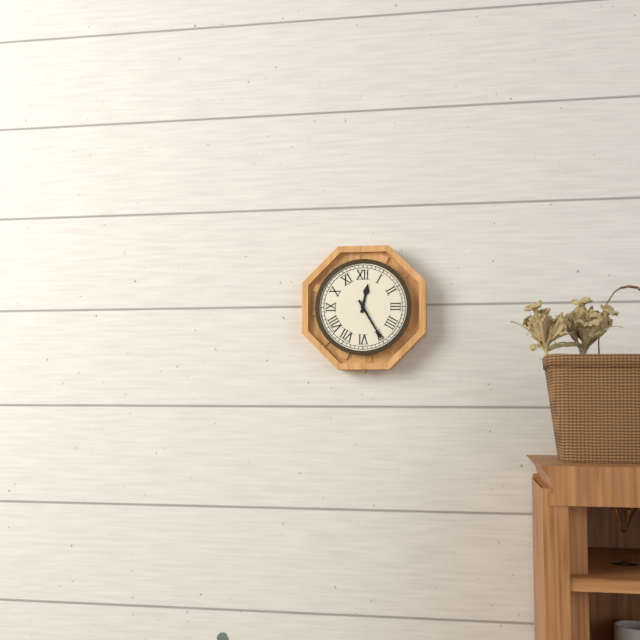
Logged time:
12h25
